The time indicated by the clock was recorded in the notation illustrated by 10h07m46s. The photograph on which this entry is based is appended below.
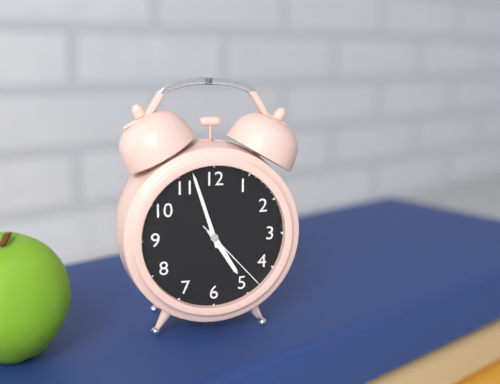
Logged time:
4h57m23s
